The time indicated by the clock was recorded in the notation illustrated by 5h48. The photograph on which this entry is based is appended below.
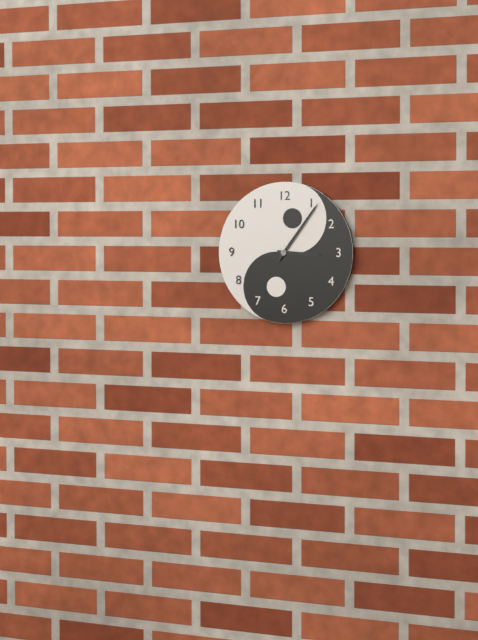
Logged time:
3h06
